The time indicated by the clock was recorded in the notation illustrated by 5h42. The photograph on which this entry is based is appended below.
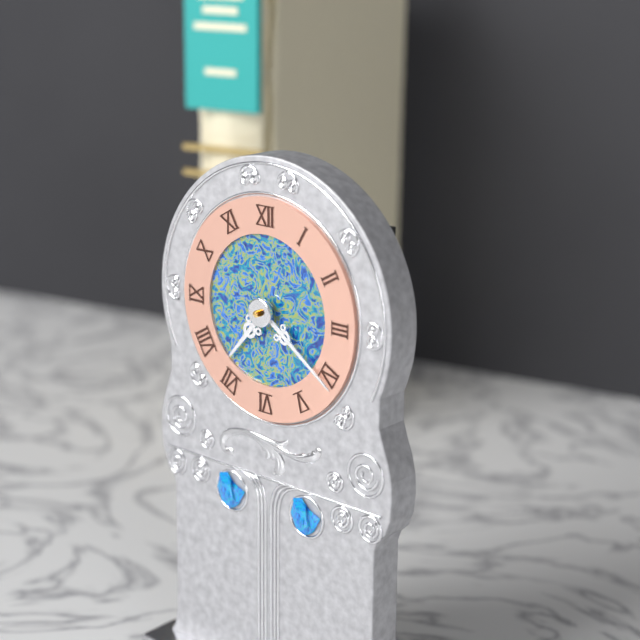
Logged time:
7h21
